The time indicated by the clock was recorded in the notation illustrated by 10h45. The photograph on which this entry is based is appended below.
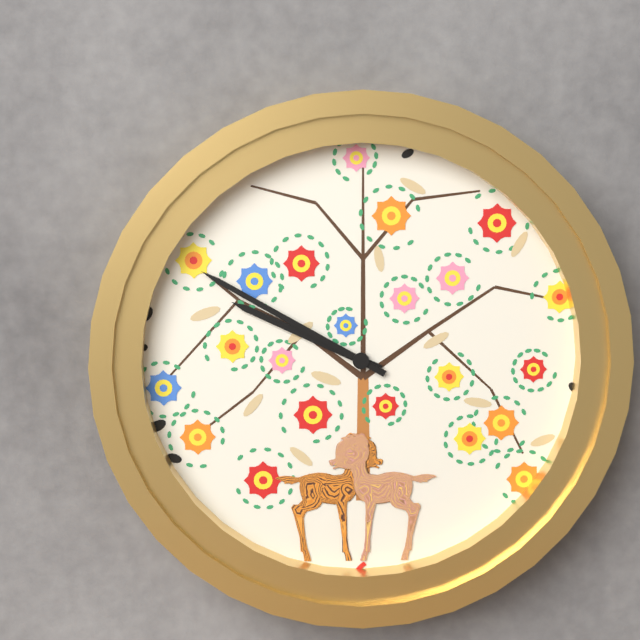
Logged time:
9h50
